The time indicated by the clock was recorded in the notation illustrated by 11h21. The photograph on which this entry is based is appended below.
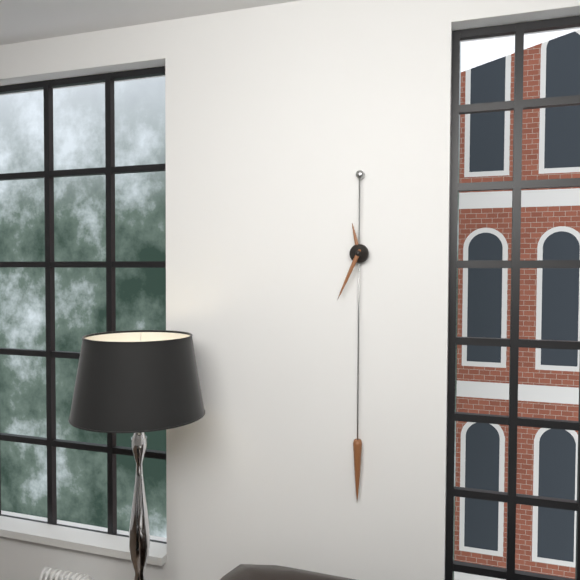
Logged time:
11h34
